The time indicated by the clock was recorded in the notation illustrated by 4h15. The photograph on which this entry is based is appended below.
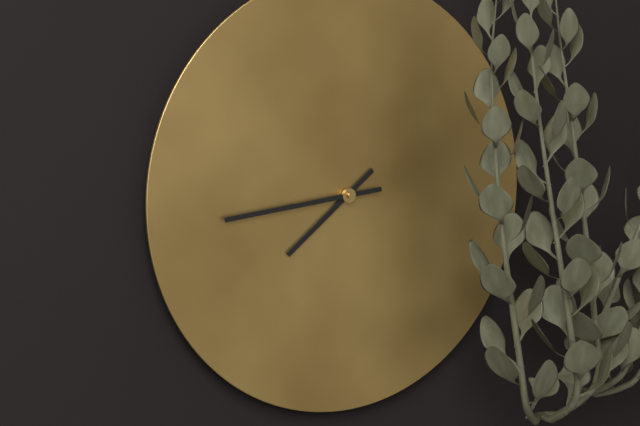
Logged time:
7h44
